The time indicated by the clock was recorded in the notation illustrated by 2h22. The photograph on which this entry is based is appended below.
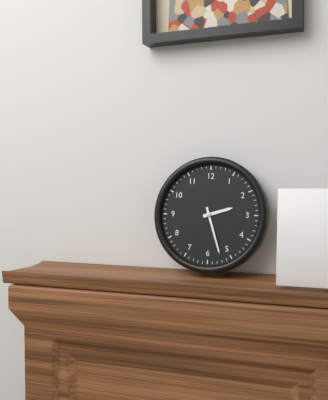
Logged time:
2h27
